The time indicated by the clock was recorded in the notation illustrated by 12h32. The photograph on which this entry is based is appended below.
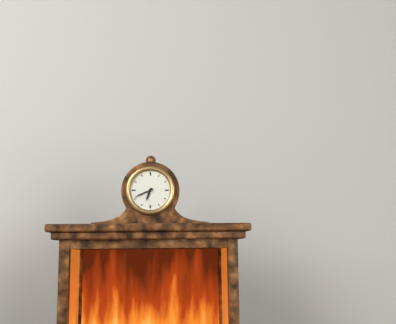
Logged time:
6h41
